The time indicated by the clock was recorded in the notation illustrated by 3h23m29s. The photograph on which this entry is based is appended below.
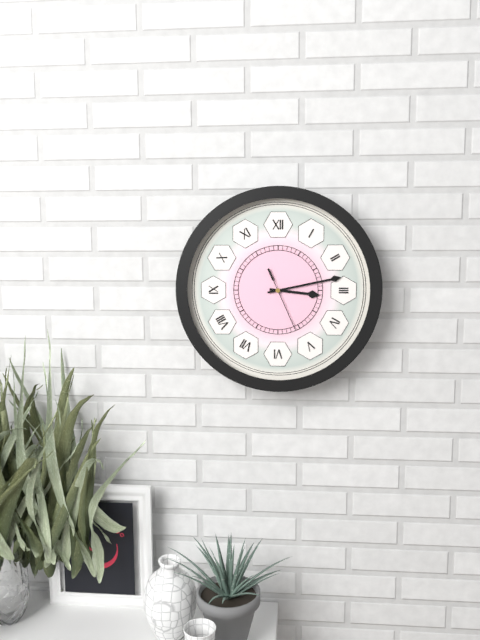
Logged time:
3h13m26s
